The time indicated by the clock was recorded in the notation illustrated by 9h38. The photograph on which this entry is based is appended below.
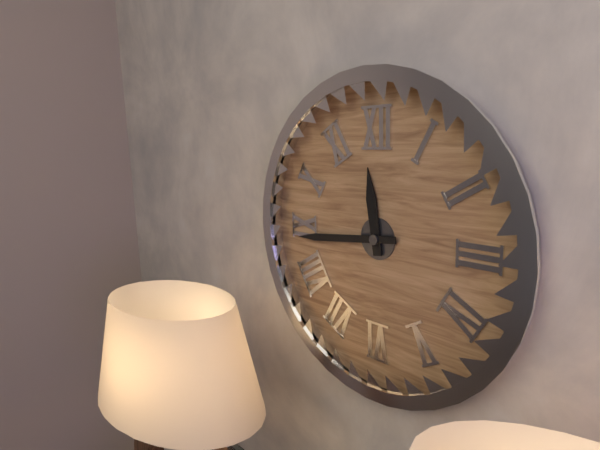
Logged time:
11h44
